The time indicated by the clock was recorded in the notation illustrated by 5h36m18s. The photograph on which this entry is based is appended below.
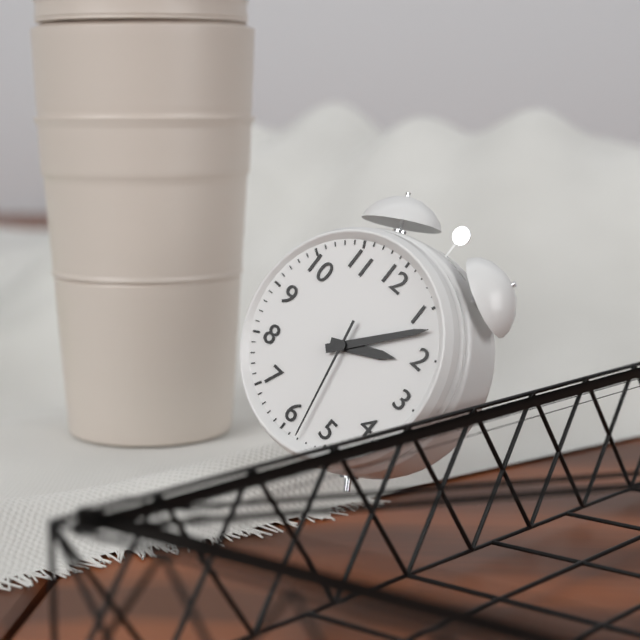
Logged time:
2h07m28s
